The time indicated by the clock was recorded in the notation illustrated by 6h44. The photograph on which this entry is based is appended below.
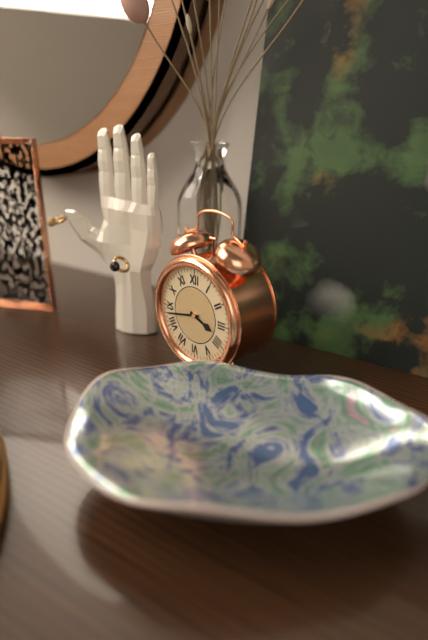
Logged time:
3h43
